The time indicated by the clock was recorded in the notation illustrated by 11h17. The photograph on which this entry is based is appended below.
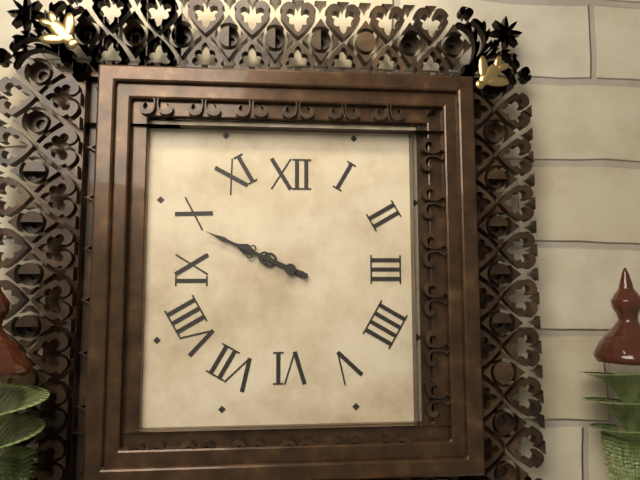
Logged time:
9h49
